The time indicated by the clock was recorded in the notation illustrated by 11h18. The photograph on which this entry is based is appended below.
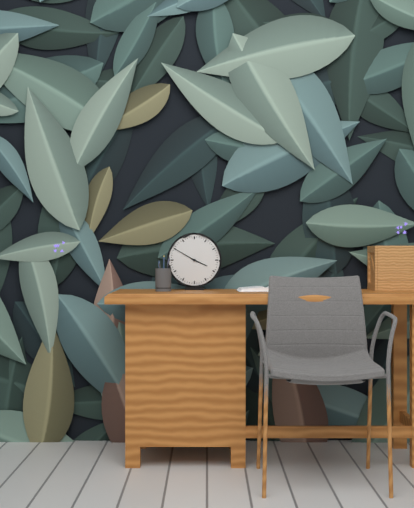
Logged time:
3h50
